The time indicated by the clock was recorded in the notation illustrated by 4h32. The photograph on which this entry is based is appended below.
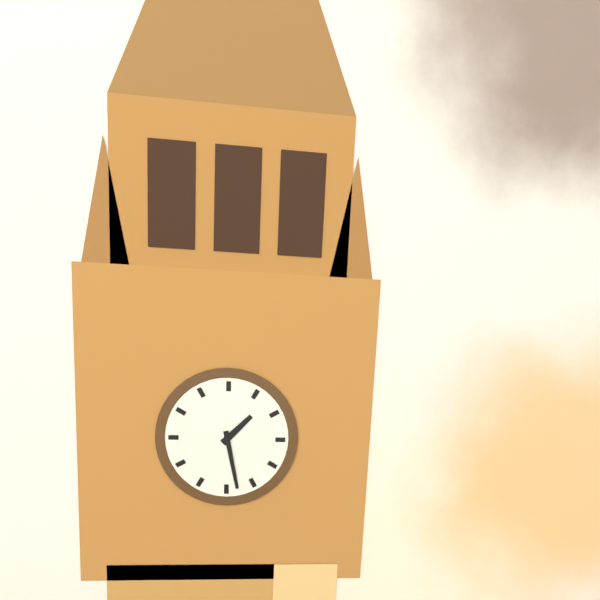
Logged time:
1h28
